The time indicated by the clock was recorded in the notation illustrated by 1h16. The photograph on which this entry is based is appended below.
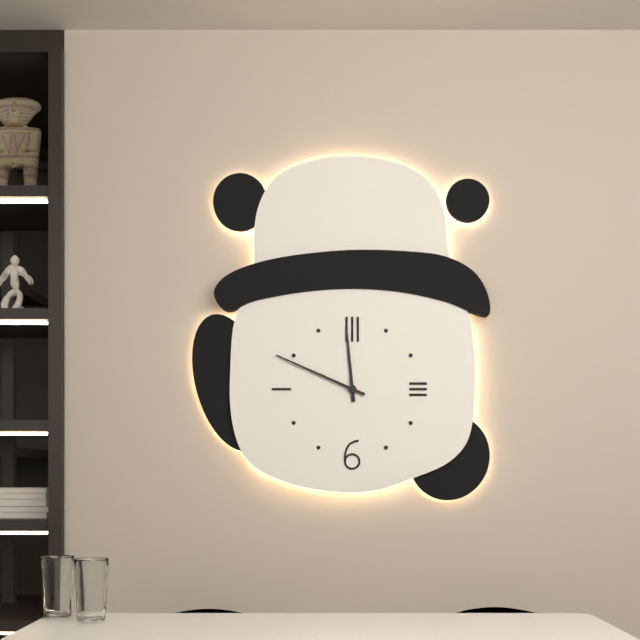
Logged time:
11h49
